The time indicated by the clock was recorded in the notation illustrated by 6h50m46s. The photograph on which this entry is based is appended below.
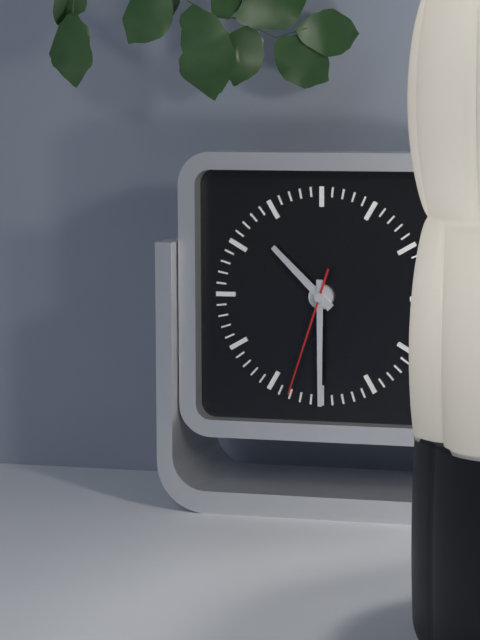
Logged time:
10h30m33s
